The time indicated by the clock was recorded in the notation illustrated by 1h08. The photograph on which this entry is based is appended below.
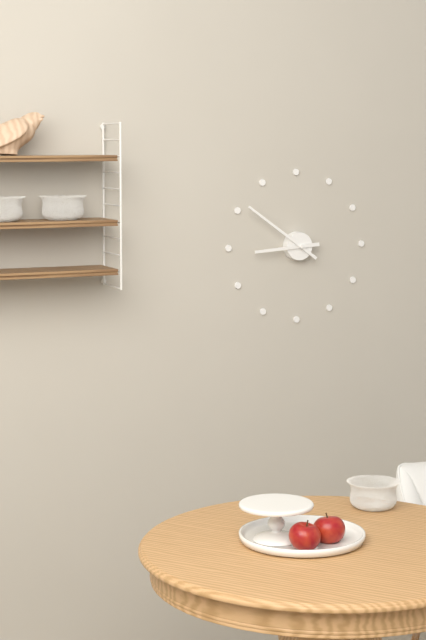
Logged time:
8h51
